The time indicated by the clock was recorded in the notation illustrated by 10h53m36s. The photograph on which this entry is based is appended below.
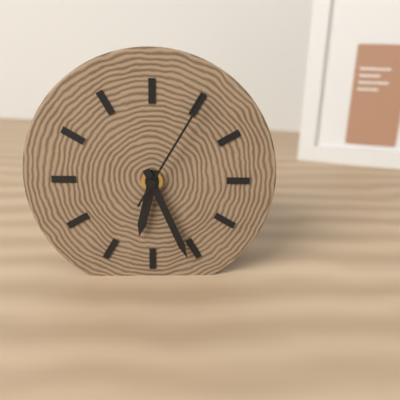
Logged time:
6h26m05s
